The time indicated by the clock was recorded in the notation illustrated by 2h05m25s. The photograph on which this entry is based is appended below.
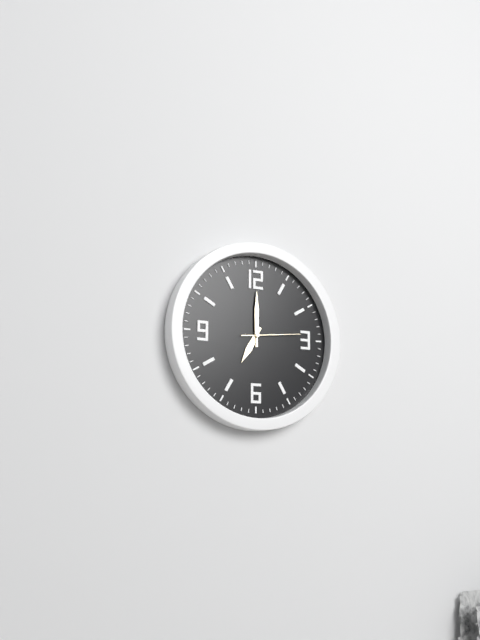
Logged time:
7h00m14s
